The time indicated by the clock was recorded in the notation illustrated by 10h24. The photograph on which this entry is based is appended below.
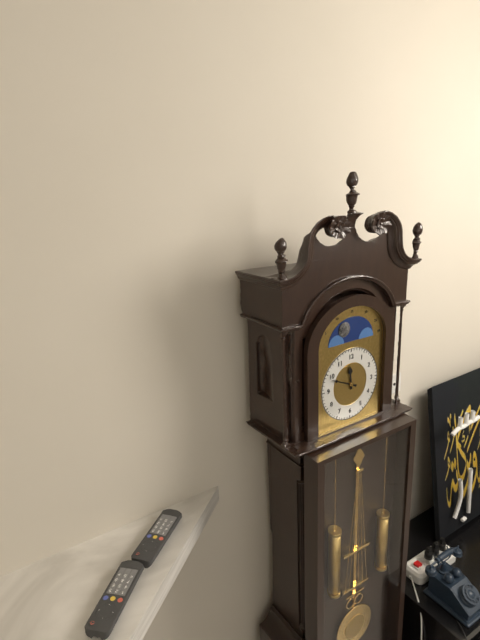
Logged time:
11h49
